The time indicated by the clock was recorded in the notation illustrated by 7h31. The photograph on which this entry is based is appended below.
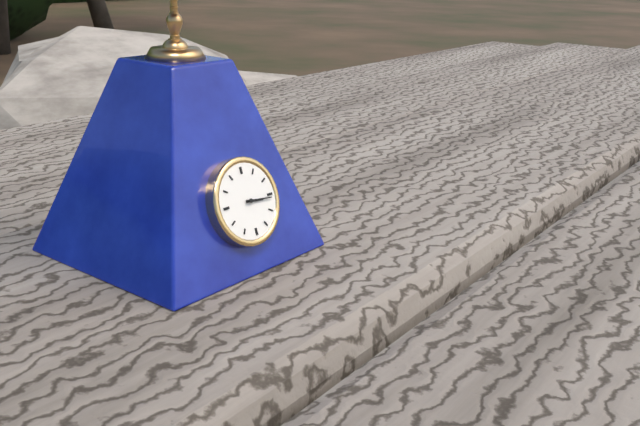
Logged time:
3h16
